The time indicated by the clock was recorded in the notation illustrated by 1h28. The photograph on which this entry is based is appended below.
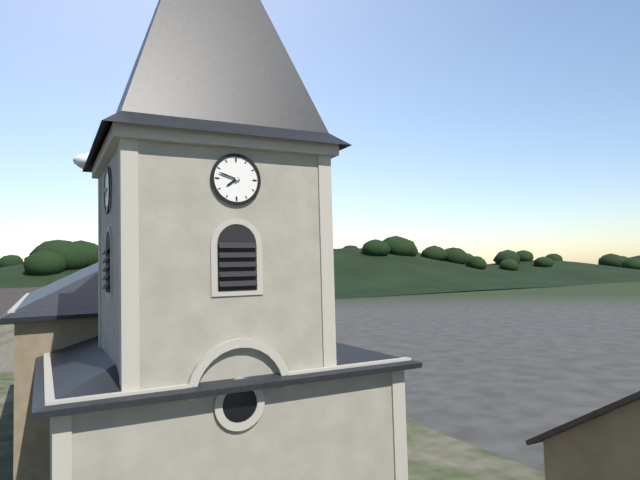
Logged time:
7h48
